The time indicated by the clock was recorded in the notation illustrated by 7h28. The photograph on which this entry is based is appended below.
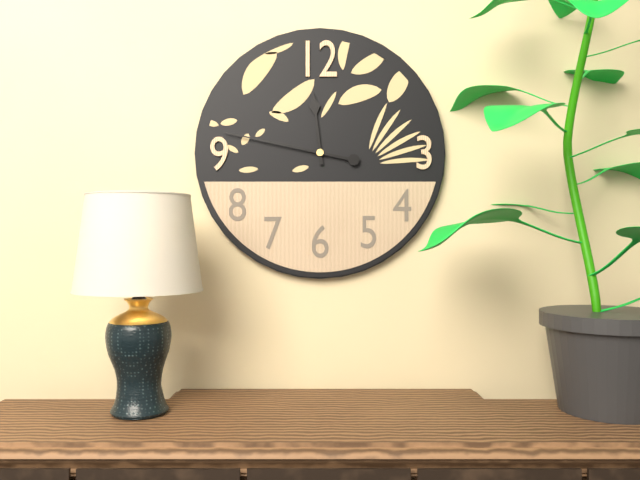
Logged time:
11h47
